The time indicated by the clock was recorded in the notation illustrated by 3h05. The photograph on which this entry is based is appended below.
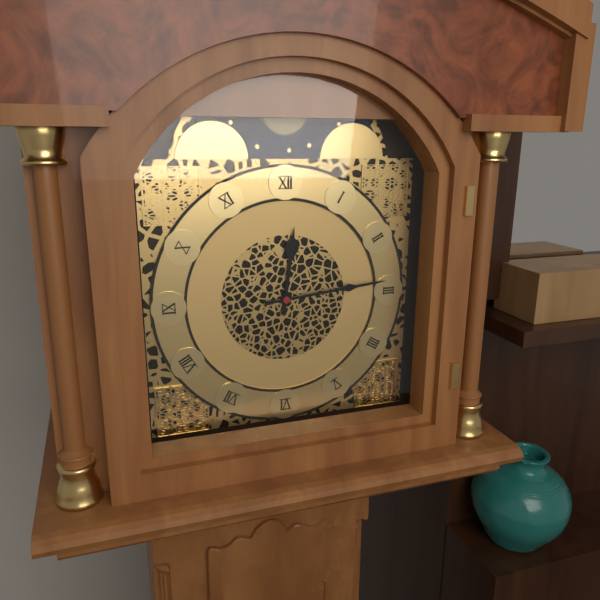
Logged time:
12h14
